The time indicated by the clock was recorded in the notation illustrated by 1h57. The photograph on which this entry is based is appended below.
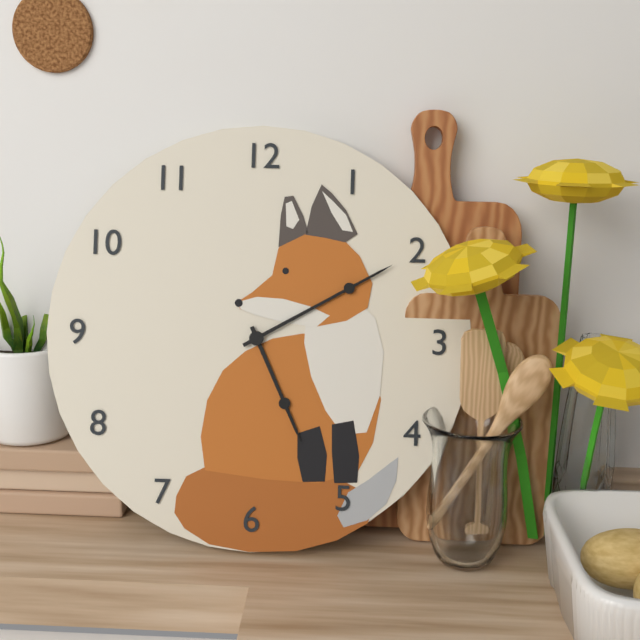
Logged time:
5h10
